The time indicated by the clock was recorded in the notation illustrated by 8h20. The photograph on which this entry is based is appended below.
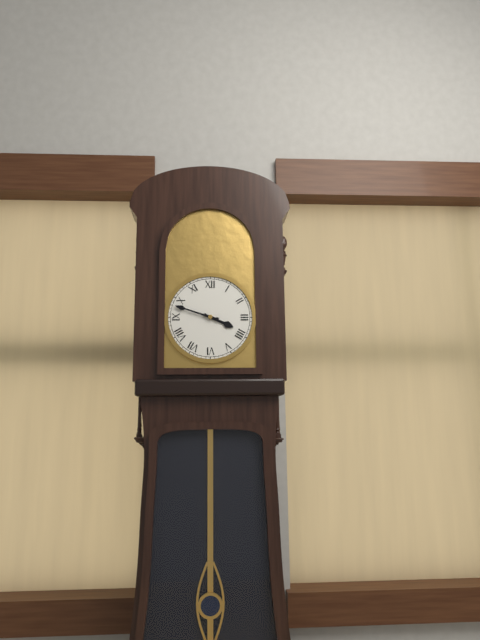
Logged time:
3h48
